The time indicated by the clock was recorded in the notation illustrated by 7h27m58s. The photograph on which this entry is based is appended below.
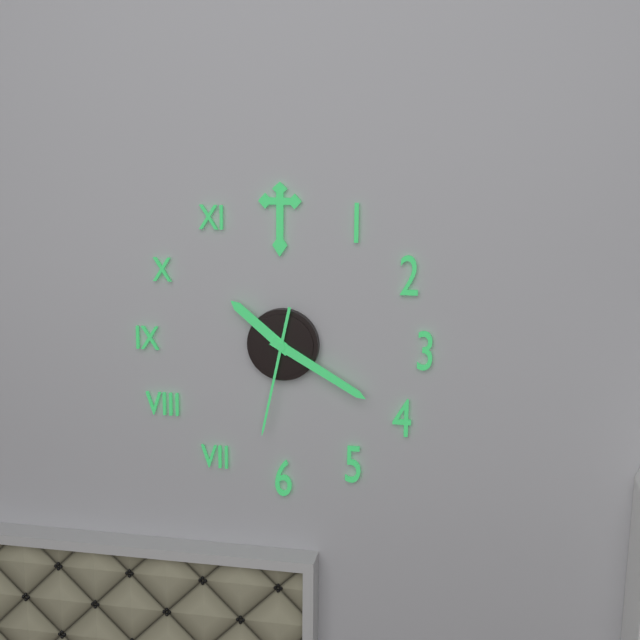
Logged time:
10h20m32s
